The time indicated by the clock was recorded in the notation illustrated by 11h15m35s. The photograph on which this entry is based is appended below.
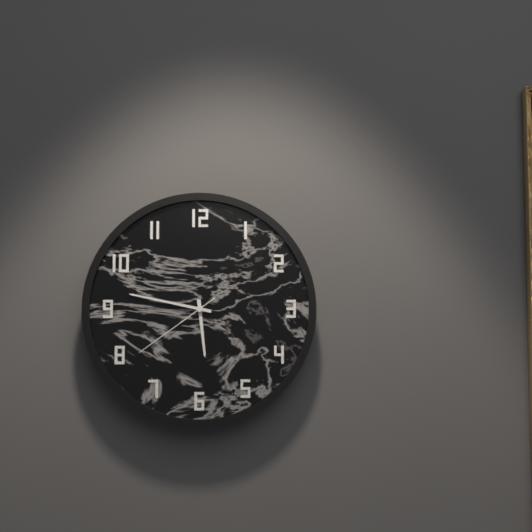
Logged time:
5h47m39s
